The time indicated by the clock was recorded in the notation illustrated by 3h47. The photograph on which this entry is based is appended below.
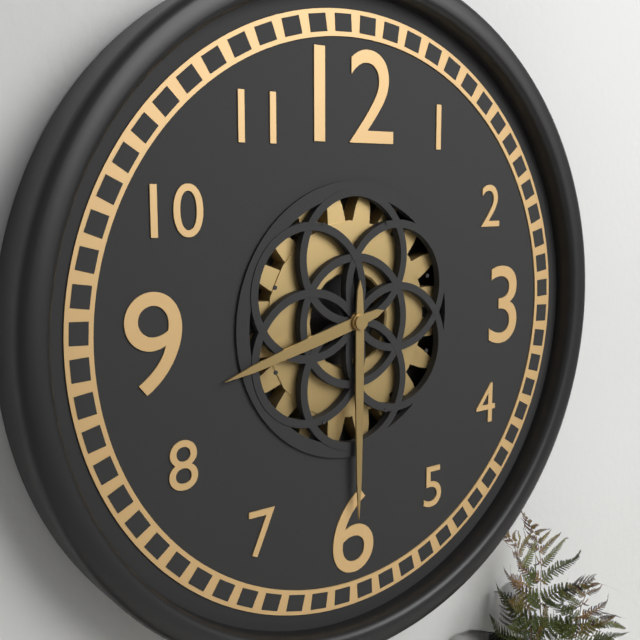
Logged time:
8h30
